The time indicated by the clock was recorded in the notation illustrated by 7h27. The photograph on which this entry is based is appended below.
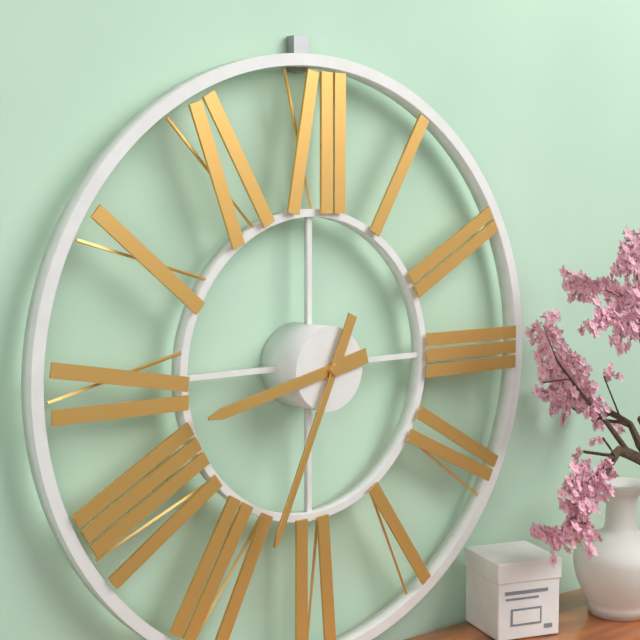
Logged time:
8h34
